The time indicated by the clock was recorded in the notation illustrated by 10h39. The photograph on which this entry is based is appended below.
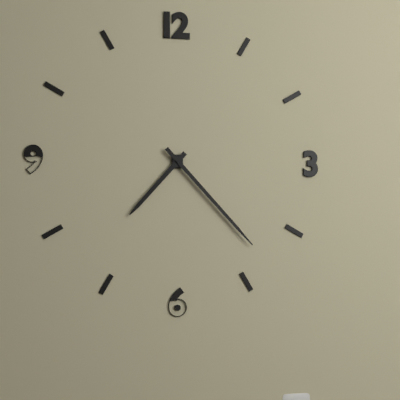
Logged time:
7h23
